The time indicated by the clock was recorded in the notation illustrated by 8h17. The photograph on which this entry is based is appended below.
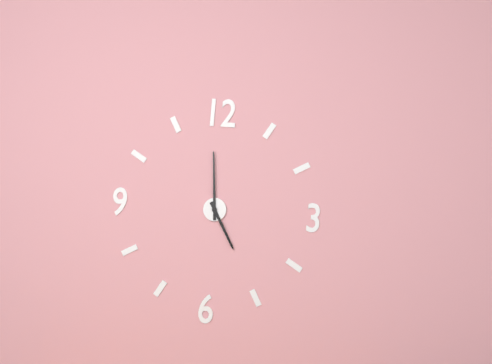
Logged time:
4h59
